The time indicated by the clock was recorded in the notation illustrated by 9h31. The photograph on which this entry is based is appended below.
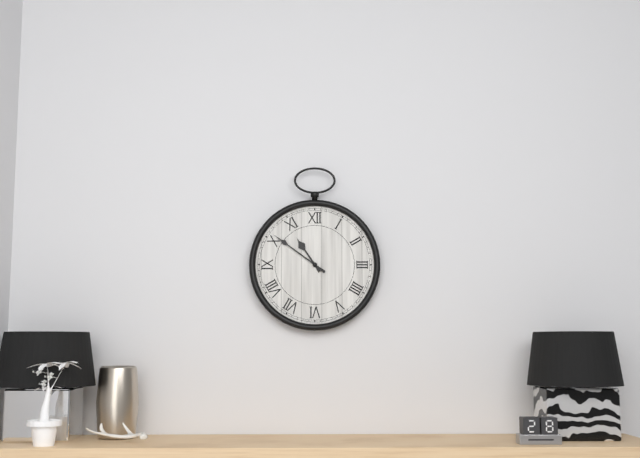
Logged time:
10h51
